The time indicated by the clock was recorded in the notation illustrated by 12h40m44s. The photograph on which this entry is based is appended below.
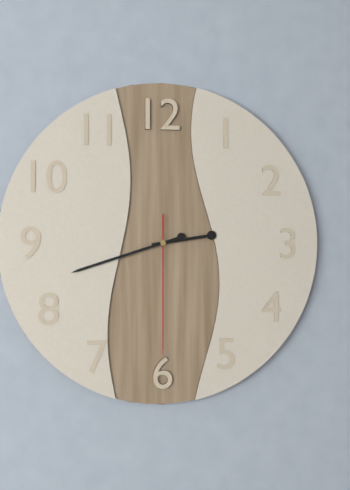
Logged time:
2h42m30s
